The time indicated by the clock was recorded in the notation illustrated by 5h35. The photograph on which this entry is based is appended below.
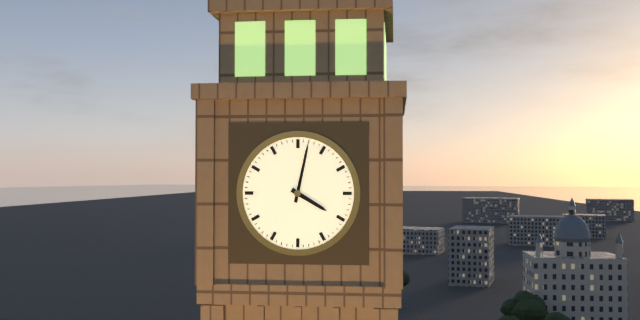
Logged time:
4h02
